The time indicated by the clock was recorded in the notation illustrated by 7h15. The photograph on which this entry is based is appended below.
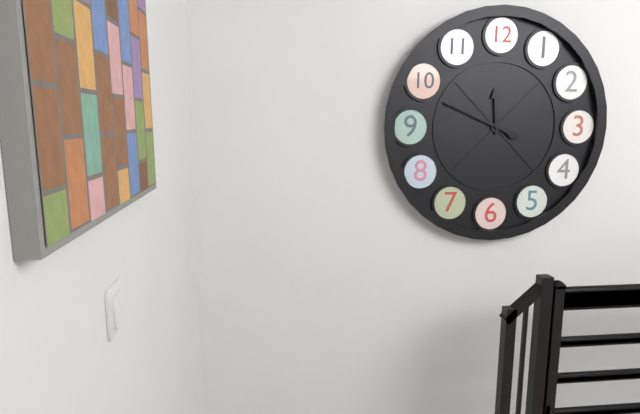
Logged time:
11h49
